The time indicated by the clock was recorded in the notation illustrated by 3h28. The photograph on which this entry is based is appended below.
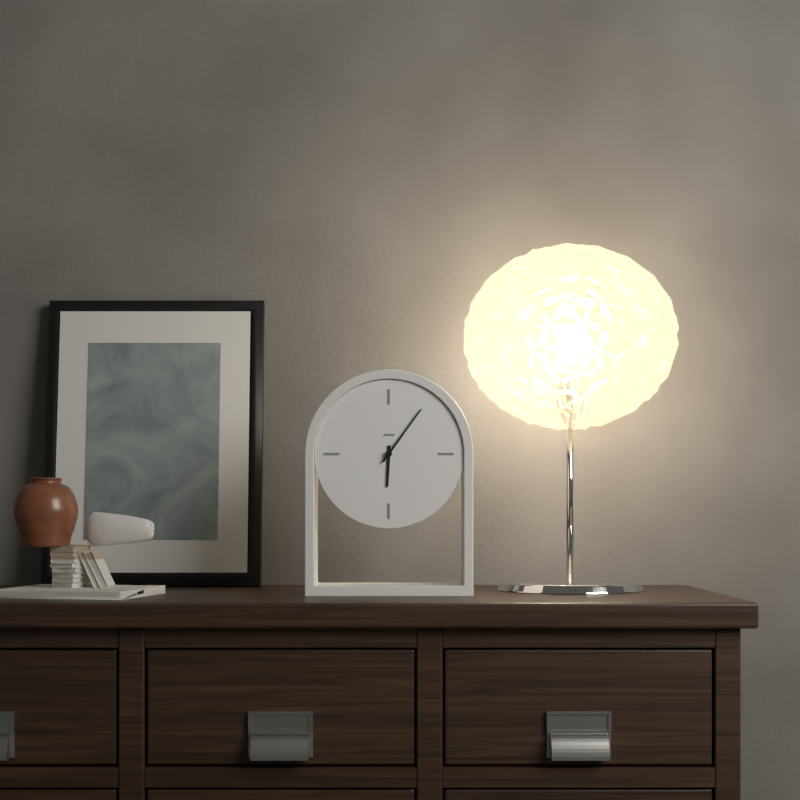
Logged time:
6h06
